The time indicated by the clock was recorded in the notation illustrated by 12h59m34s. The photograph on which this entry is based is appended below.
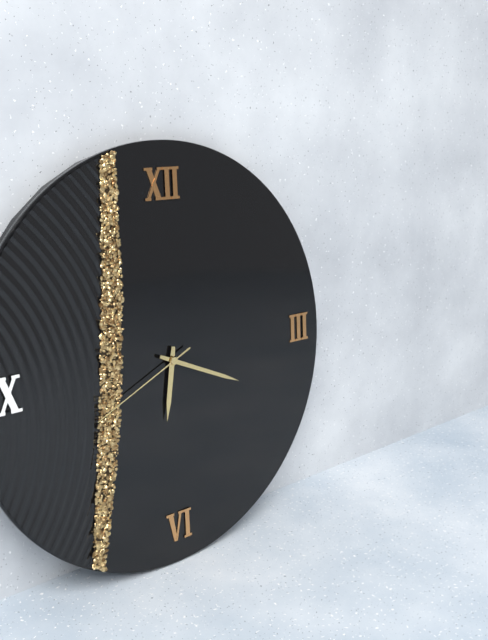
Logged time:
6h19m41s
